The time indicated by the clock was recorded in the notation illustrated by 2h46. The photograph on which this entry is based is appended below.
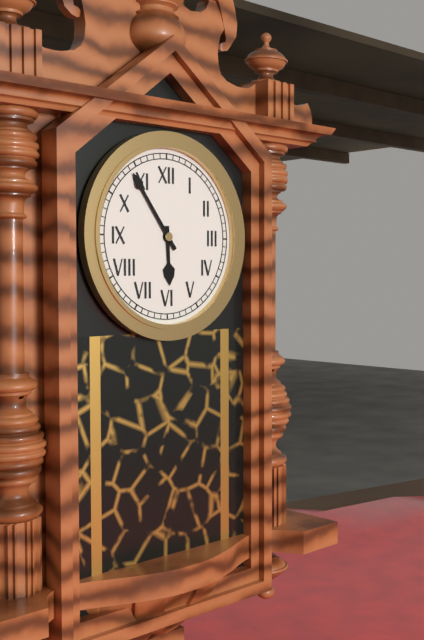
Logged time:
5h54
